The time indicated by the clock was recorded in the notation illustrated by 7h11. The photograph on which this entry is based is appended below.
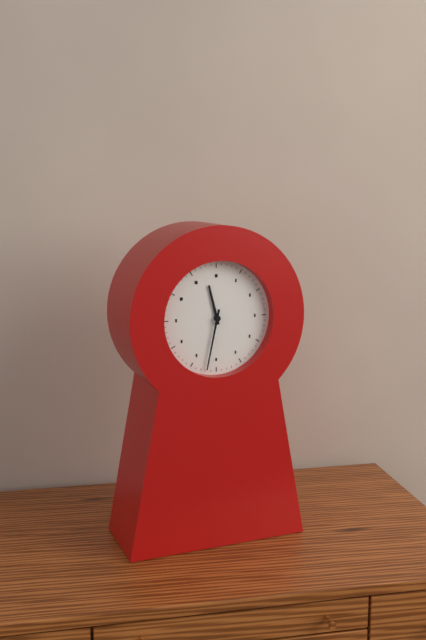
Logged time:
11h32
